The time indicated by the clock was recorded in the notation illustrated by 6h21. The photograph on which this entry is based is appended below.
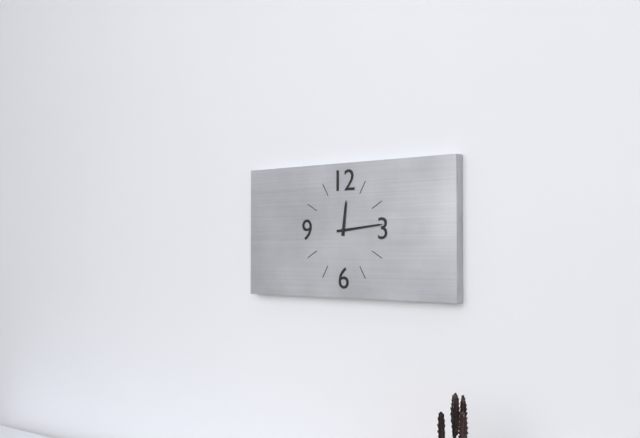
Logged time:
12h14
